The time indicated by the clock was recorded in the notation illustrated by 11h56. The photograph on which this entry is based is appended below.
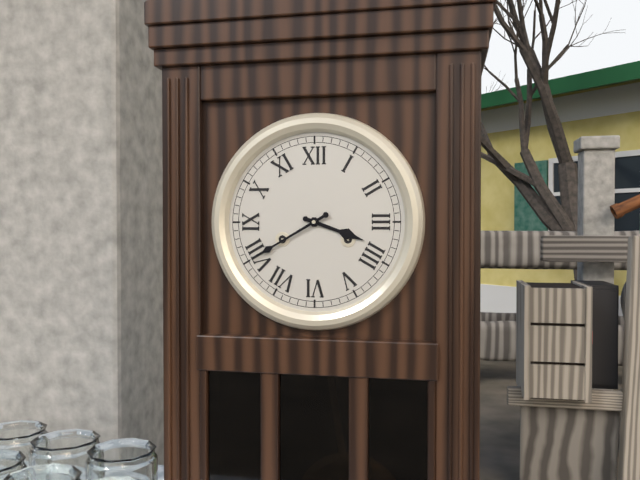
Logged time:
3h40
